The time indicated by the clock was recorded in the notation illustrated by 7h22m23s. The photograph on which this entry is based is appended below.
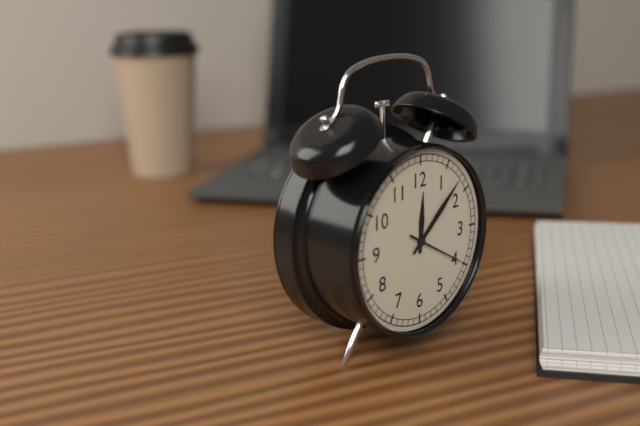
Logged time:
12h08m20s
